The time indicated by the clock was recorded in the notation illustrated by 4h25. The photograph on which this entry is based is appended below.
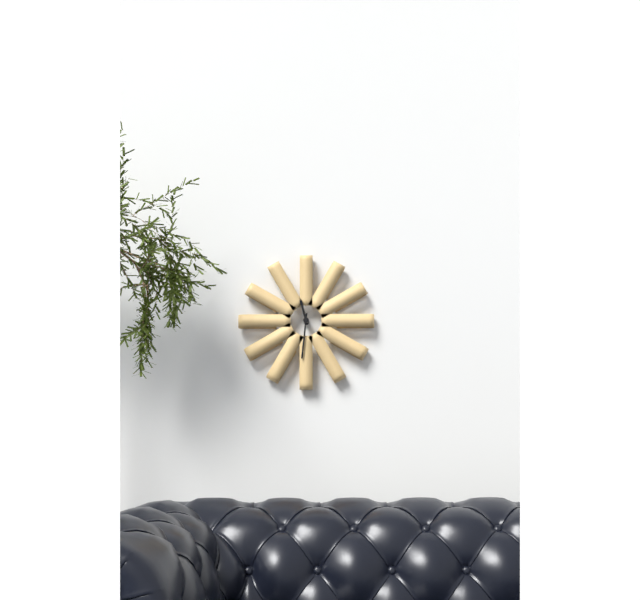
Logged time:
11h31
